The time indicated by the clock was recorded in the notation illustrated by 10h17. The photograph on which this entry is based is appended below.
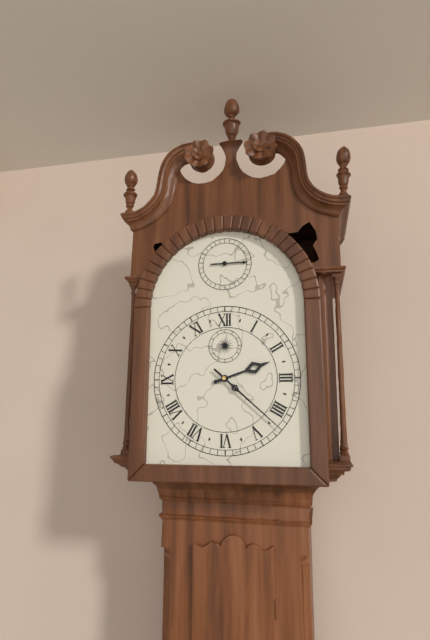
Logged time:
2h22
